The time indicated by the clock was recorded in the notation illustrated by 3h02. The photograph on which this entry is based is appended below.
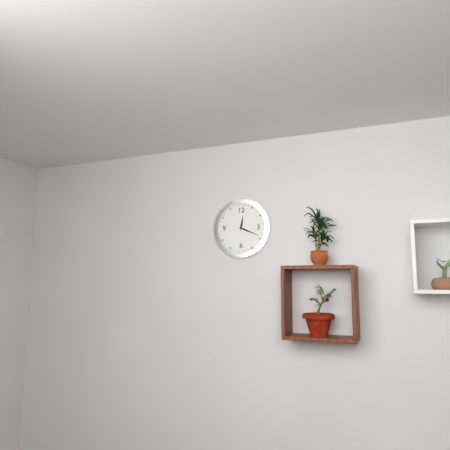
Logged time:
12h19
